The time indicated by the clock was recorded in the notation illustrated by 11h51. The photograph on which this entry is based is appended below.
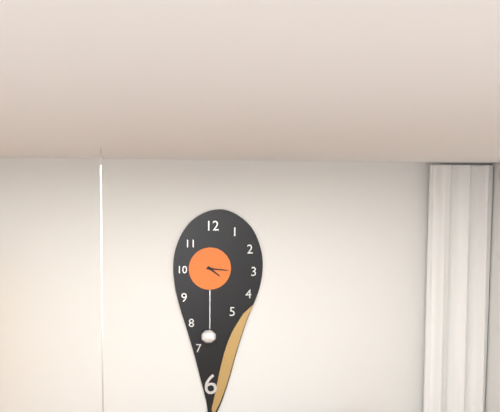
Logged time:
4h16
